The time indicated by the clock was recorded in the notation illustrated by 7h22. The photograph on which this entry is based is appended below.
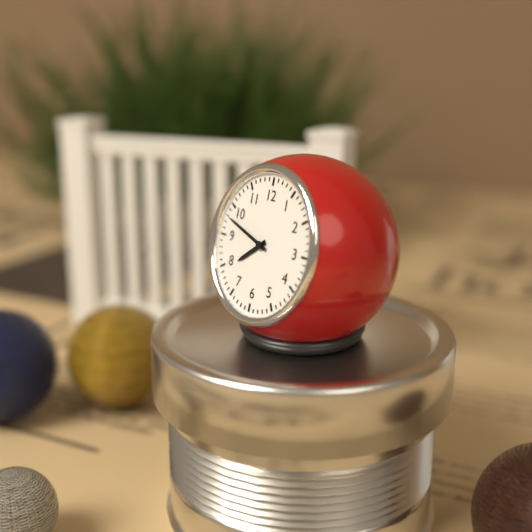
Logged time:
7h48
